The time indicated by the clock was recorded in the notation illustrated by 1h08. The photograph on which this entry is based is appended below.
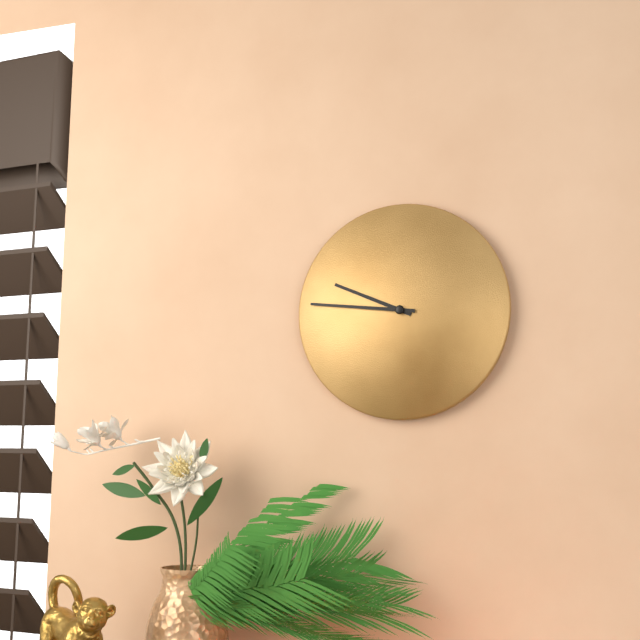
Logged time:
9h46
